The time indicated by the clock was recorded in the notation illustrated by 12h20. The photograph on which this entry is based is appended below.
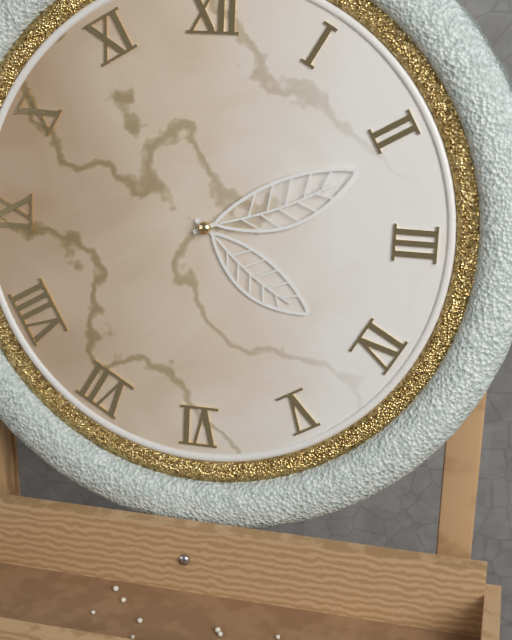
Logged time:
4h11
